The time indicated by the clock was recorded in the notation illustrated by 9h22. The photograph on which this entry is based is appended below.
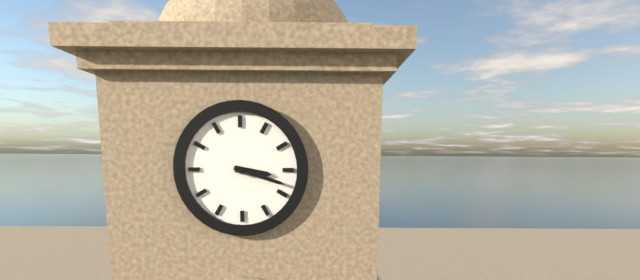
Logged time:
3h18
